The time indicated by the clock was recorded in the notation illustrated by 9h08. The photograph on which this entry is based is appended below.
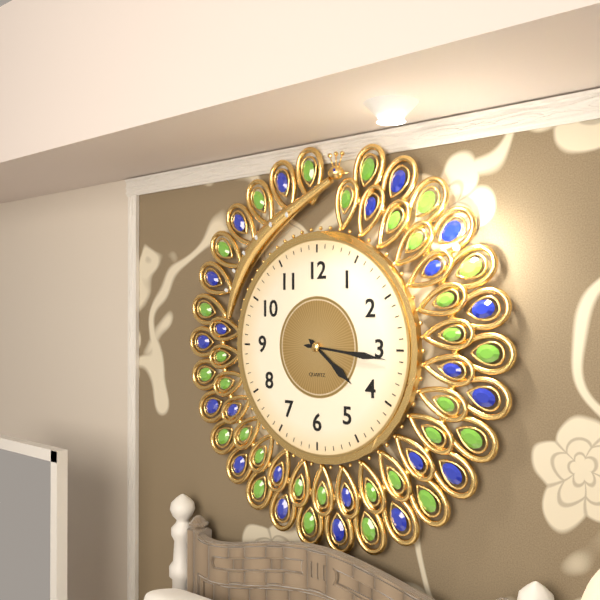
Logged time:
4h16
